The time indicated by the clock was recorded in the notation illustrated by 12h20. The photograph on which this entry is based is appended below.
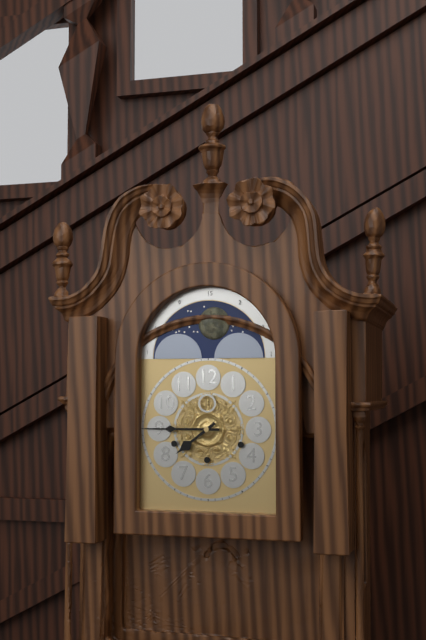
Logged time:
7h45
